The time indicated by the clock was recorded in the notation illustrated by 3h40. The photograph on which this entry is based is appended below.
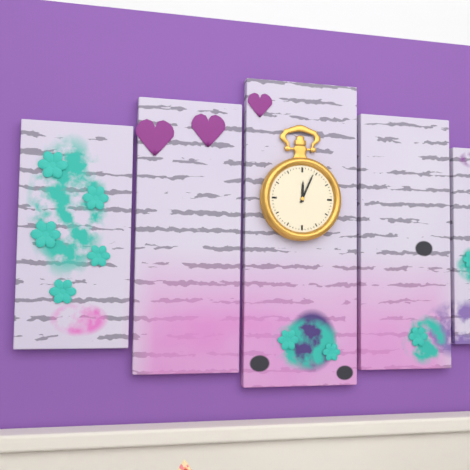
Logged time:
12h04
